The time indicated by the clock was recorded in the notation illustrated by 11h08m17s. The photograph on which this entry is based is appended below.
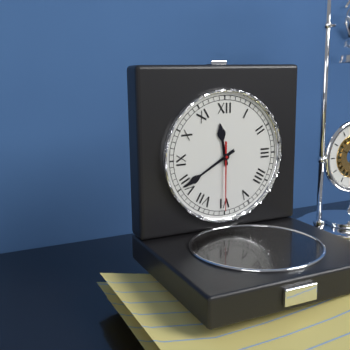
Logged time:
11h40m30s
